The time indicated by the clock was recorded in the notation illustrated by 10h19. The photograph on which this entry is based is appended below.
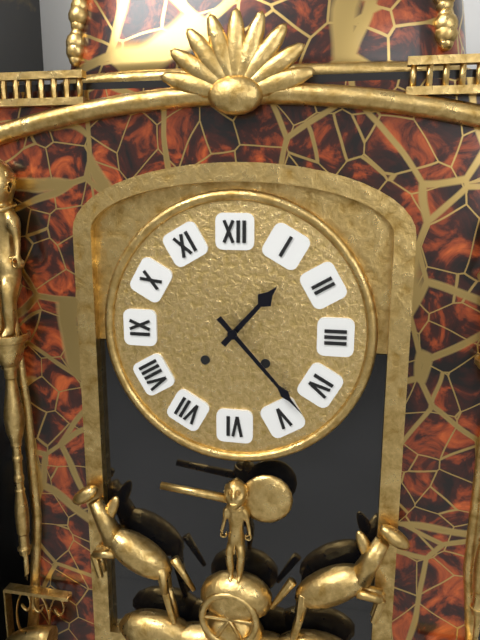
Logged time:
1h23
